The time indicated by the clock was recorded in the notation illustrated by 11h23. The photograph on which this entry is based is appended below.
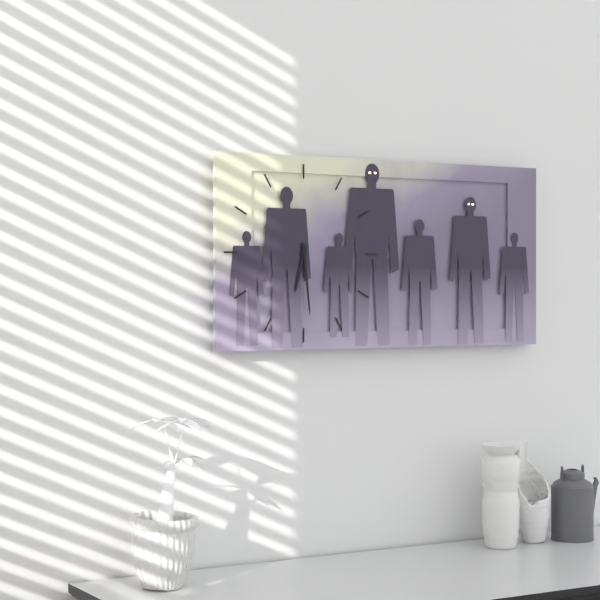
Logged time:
6h29
